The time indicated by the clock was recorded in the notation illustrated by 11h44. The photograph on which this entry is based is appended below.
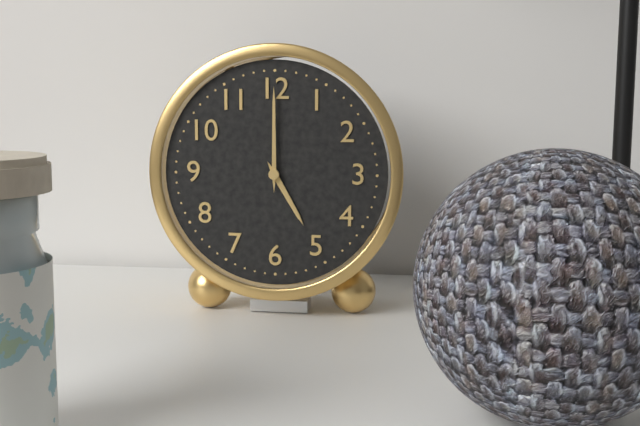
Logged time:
5h00
